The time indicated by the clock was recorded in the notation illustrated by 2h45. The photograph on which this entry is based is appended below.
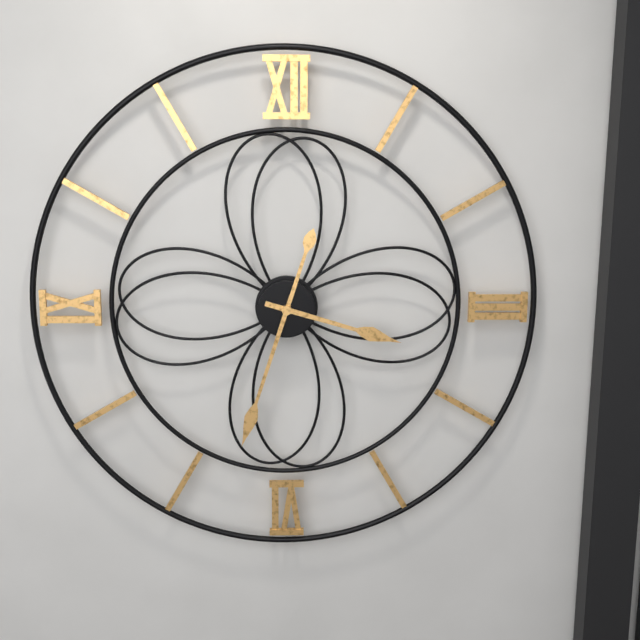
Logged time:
3h33
